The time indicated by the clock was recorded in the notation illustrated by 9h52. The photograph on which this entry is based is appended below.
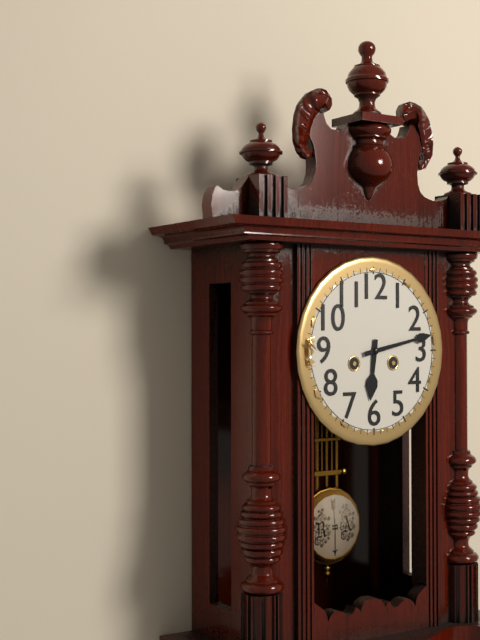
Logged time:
6h13
